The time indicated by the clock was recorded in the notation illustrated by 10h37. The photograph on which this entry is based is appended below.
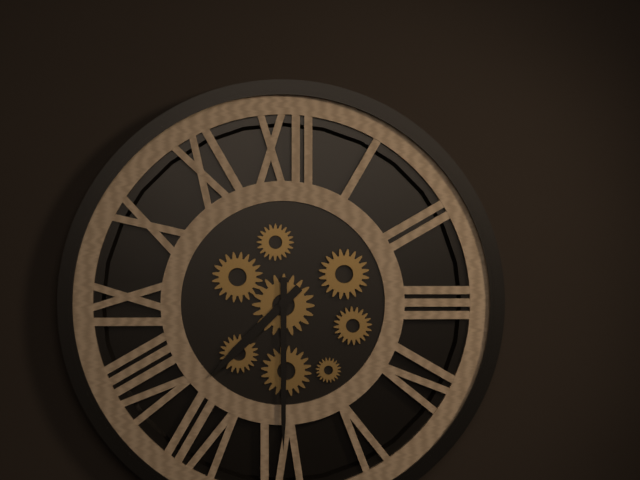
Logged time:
7h30
